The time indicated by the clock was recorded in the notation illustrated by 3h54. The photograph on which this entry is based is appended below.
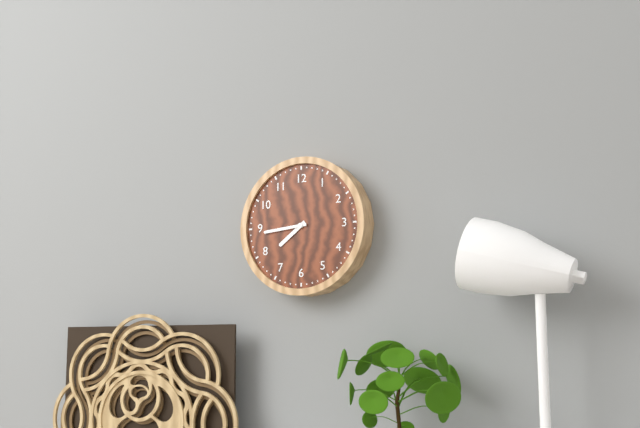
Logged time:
7h44
